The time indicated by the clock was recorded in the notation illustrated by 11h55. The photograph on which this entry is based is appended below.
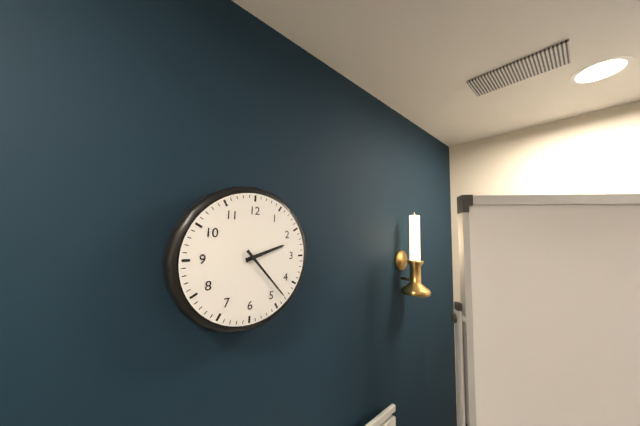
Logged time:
2h23
